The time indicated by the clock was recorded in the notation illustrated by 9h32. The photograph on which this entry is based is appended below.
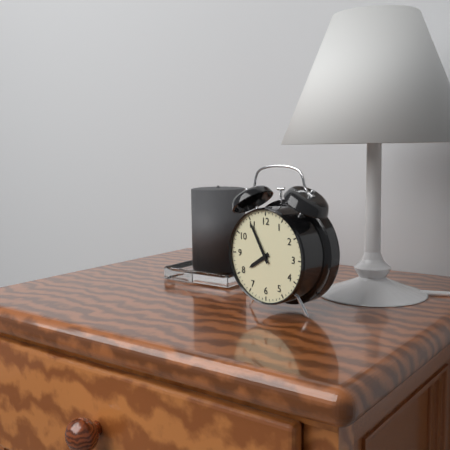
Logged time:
7h55
